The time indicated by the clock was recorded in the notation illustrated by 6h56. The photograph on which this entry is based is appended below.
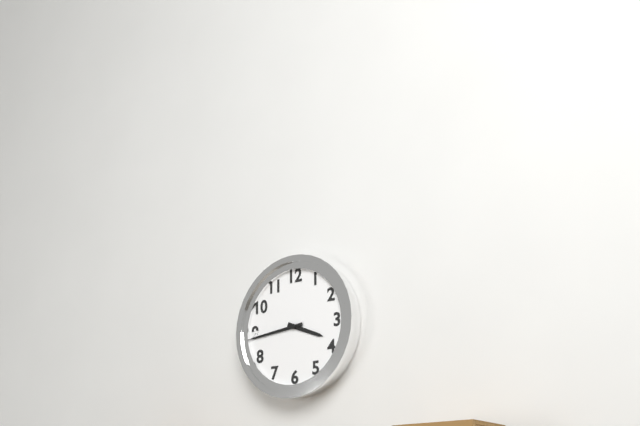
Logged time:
3h44
